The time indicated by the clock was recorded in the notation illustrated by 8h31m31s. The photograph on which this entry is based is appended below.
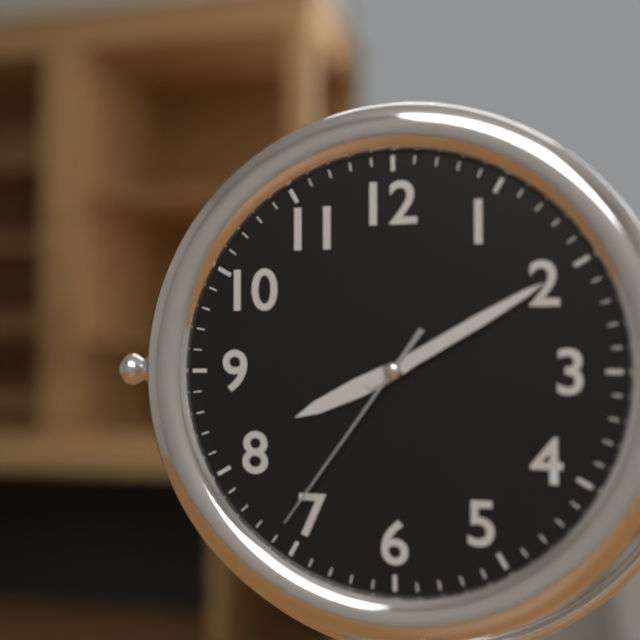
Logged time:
8h10m36s
